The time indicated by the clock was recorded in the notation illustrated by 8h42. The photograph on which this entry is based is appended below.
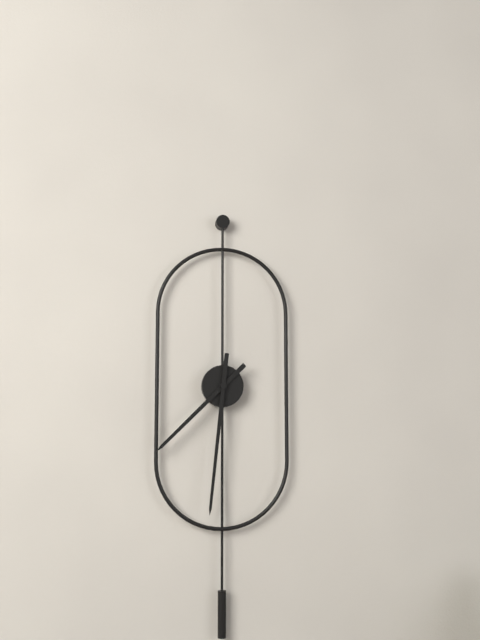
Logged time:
7h31
